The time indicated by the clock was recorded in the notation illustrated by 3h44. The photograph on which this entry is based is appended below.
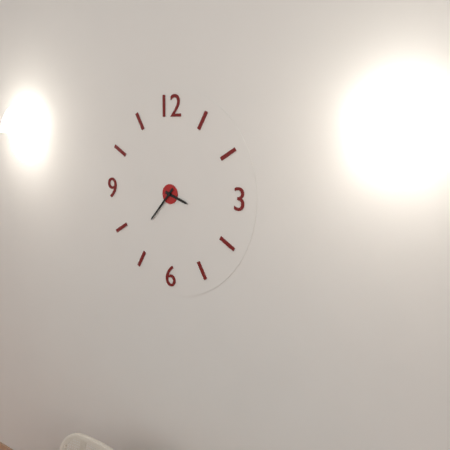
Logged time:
3h37
